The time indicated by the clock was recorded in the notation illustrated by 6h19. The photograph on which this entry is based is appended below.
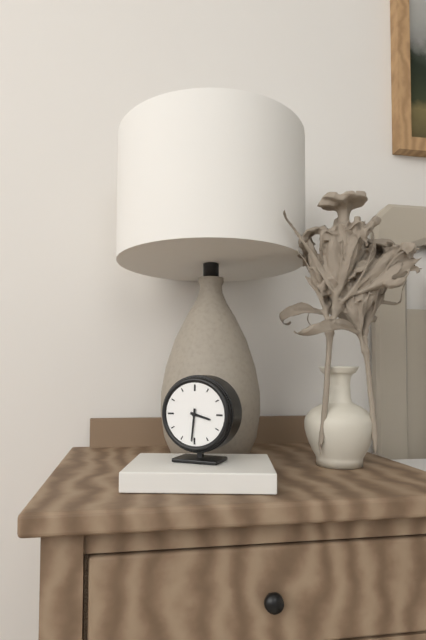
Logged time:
3h31
